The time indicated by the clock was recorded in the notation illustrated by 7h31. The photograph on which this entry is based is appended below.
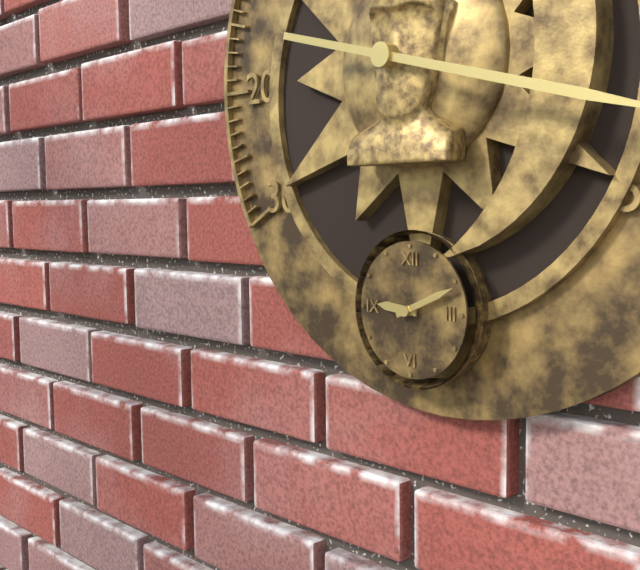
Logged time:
9h11
